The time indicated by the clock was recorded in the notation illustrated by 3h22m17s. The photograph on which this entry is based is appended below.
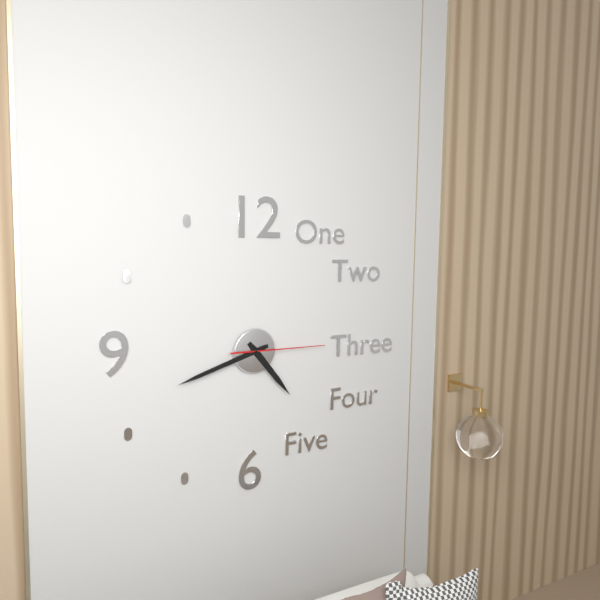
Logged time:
4h42m15s
